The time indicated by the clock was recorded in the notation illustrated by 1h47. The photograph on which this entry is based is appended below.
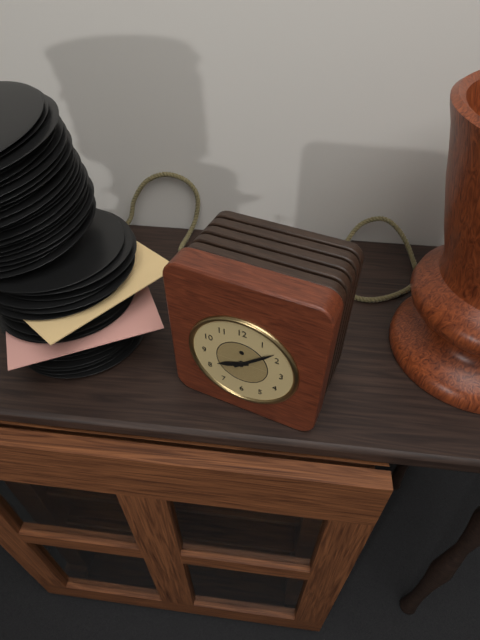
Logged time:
8h08
